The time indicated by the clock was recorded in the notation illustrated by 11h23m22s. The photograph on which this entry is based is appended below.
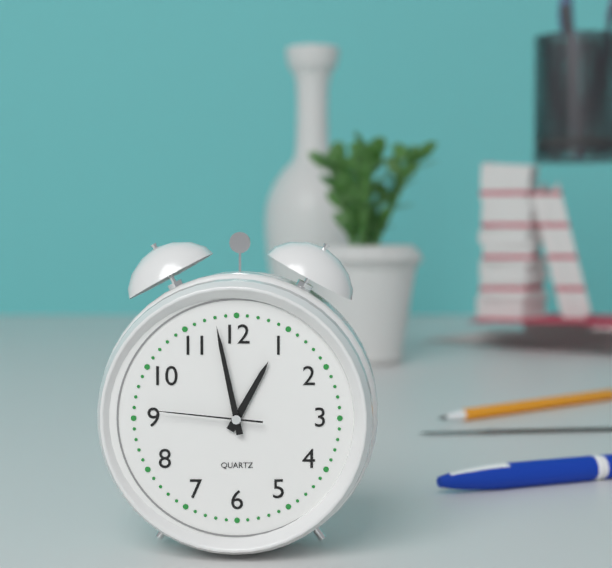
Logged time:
12h58m46s
